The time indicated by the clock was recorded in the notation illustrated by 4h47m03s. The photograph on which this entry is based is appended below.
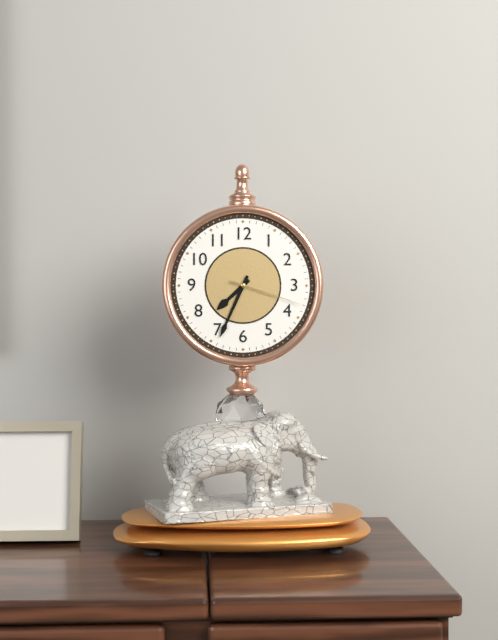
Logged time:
7h34m18s
